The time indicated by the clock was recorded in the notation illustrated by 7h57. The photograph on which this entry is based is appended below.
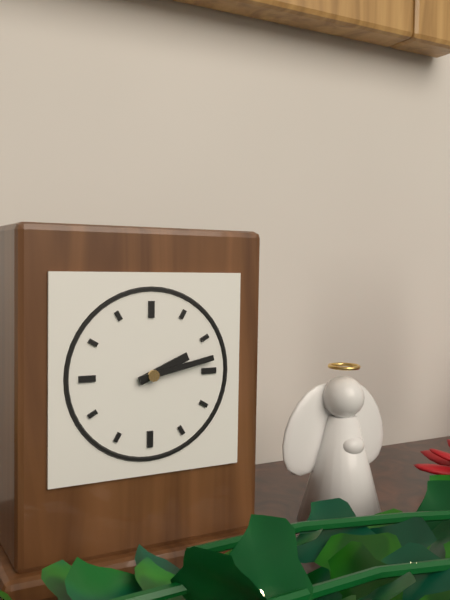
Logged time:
2h13
